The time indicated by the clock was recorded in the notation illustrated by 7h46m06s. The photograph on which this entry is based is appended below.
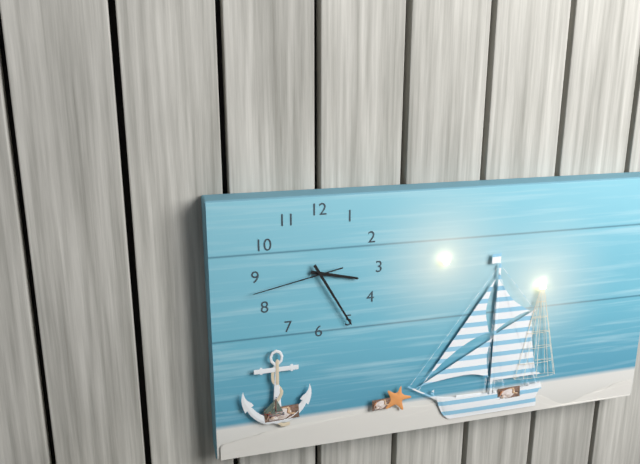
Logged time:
3h25m43s
